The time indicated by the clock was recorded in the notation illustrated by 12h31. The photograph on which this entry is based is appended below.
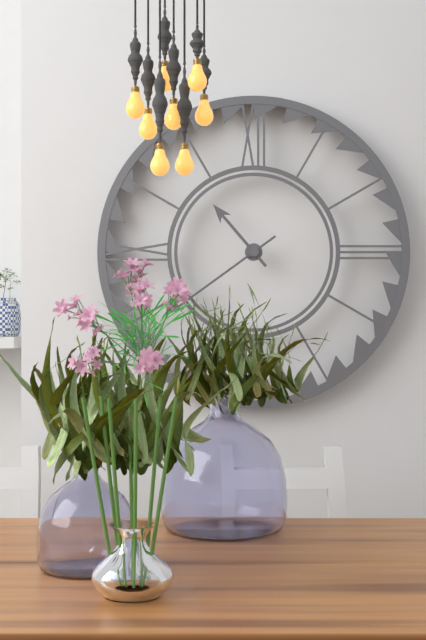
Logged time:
10h39
